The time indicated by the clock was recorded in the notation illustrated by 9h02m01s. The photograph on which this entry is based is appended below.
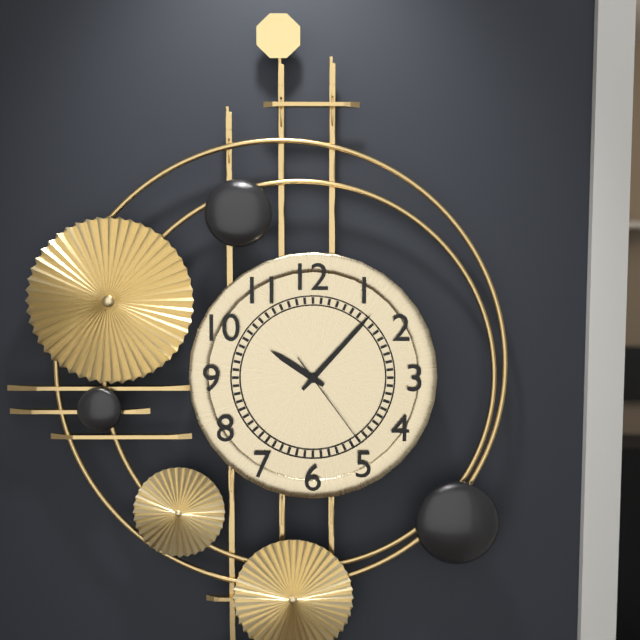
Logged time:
10h07m24s
